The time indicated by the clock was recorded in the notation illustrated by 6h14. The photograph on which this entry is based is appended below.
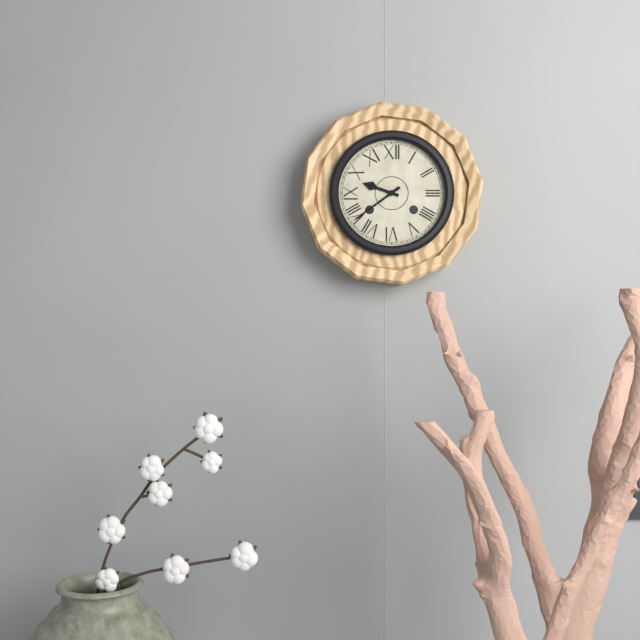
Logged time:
9h39
